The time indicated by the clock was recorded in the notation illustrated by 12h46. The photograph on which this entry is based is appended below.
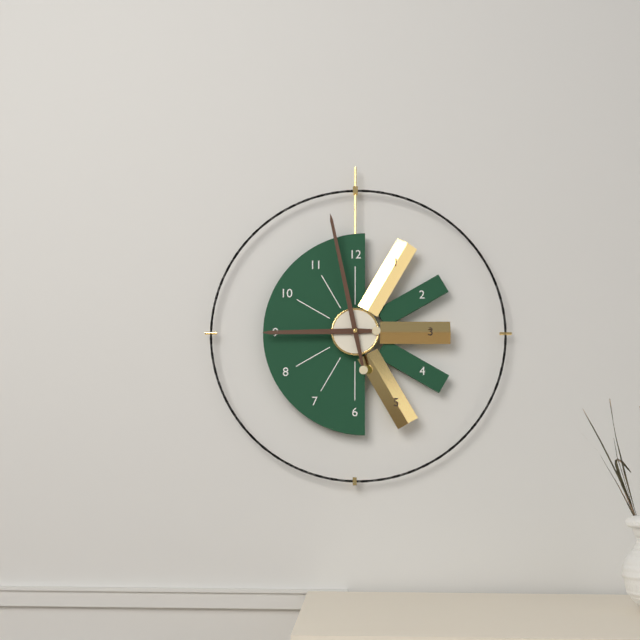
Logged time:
8h58
